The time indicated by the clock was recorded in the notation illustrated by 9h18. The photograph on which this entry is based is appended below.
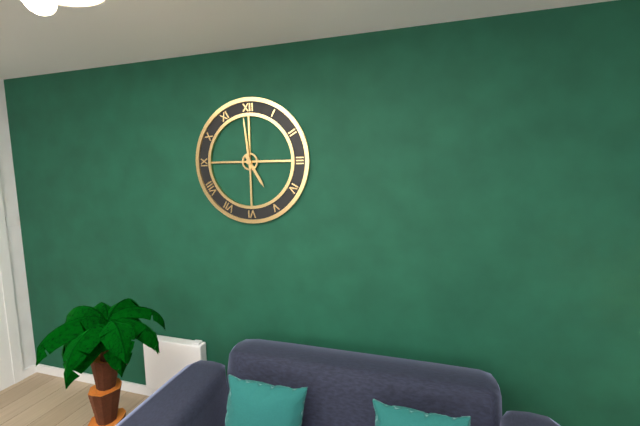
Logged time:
4h59
